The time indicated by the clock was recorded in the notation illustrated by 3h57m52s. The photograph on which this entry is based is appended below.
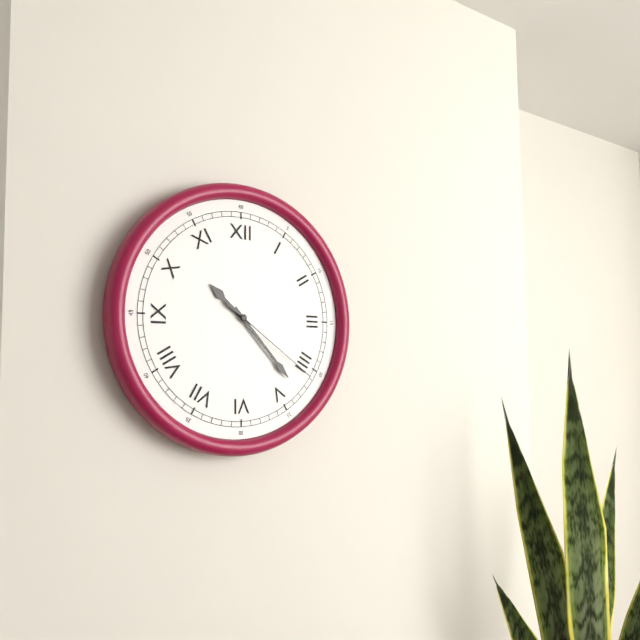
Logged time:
10h23m21s
